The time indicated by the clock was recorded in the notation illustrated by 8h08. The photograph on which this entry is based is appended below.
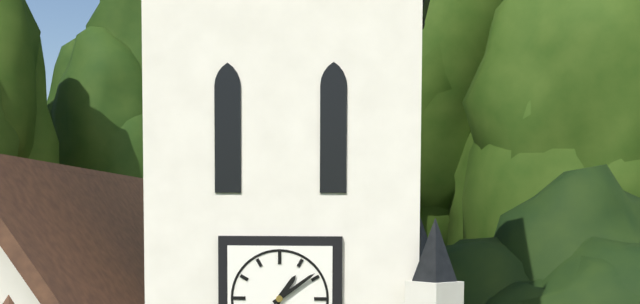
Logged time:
1h09
